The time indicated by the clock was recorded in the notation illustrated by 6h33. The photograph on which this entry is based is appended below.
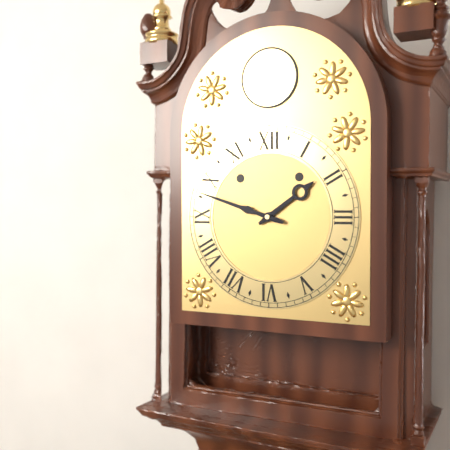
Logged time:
1h48
